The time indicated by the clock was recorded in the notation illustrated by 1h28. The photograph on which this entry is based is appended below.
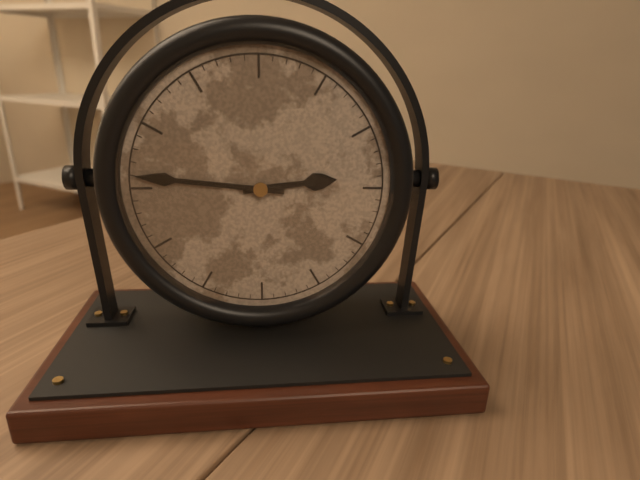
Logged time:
2h46
